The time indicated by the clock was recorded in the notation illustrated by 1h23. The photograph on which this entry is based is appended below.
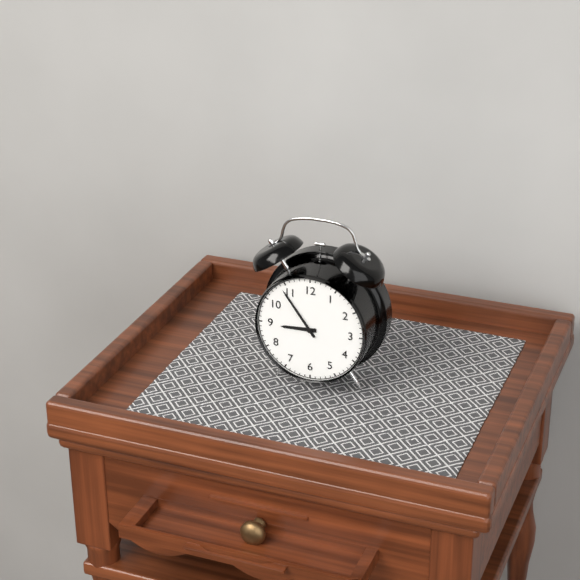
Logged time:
8h54
